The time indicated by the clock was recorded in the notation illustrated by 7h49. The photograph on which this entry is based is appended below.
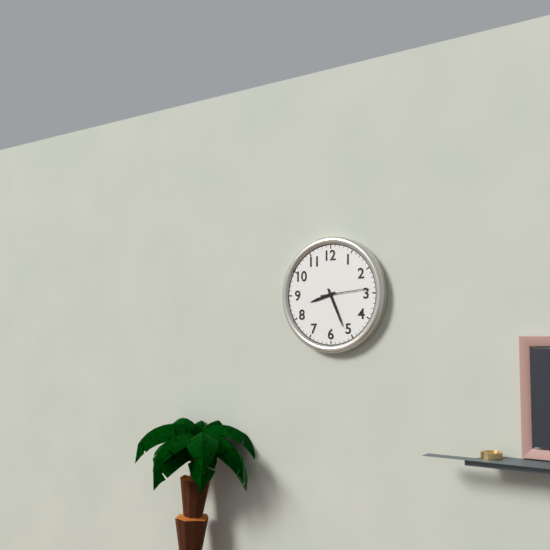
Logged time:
8h26
